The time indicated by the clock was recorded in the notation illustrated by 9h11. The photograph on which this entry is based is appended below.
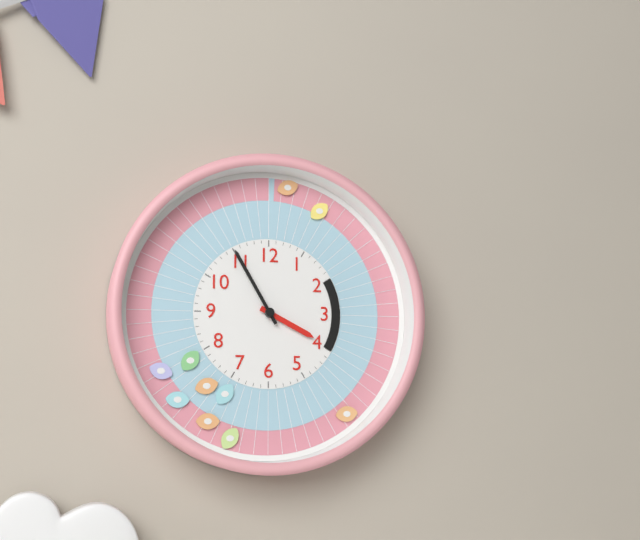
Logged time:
3h55
